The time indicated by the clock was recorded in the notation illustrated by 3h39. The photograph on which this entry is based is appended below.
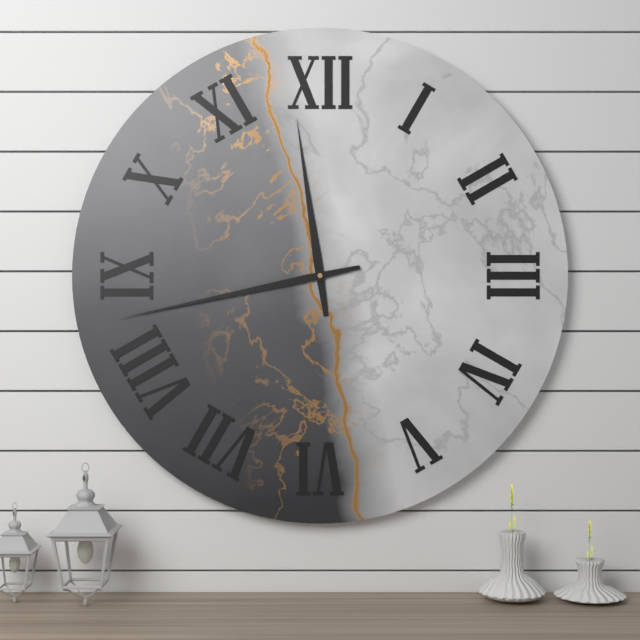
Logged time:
11h43
